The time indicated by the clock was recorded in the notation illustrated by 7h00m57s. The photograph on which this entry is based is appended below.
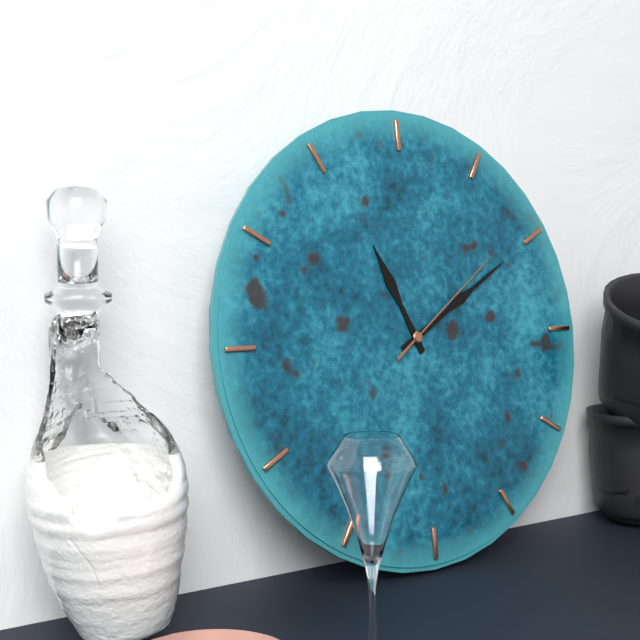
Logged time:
11h10m09s
